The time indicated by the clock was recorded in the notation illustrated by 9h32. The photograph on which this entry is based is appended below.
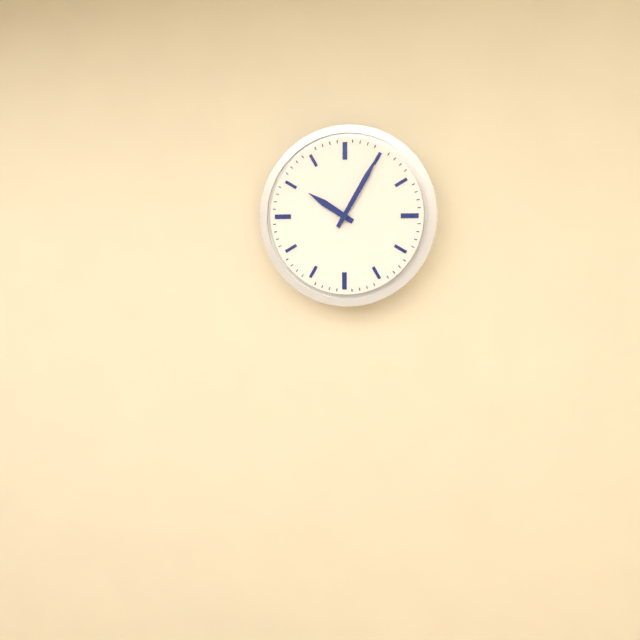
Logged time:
10h05
